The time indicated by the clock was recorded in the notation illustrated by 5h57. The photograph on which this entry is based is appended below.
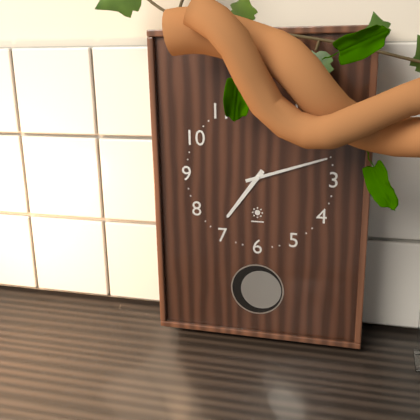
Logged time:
7h12
